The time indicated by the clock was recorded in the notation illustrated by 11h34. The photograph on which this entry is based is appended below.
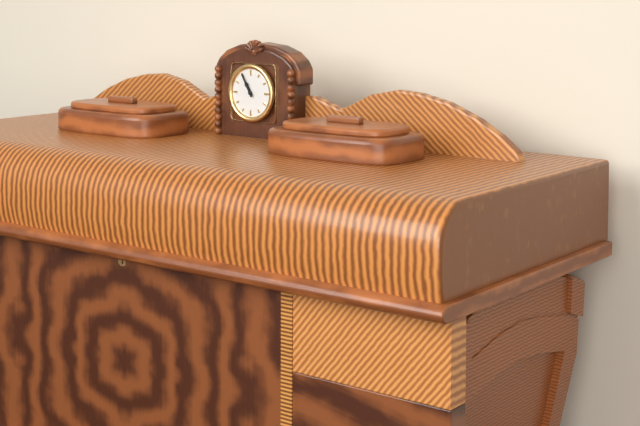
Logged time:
10h55
